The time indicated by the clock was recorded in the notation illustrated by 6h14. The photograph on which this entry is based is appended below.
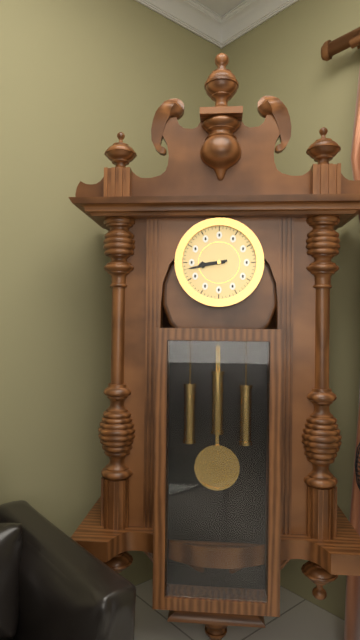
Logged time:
8h43
